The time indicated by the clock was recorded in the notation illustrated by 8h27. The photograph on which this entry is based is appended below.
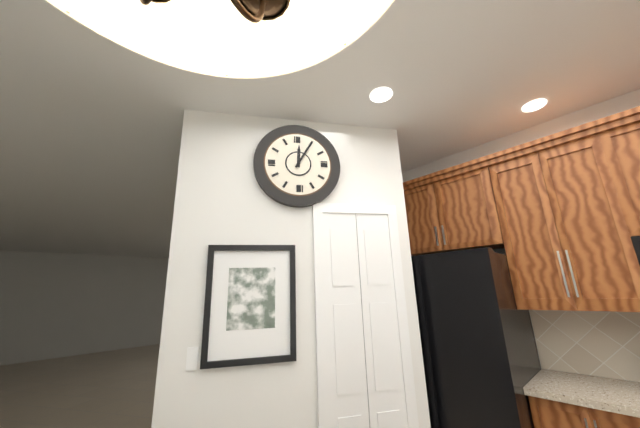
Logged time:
12h05
